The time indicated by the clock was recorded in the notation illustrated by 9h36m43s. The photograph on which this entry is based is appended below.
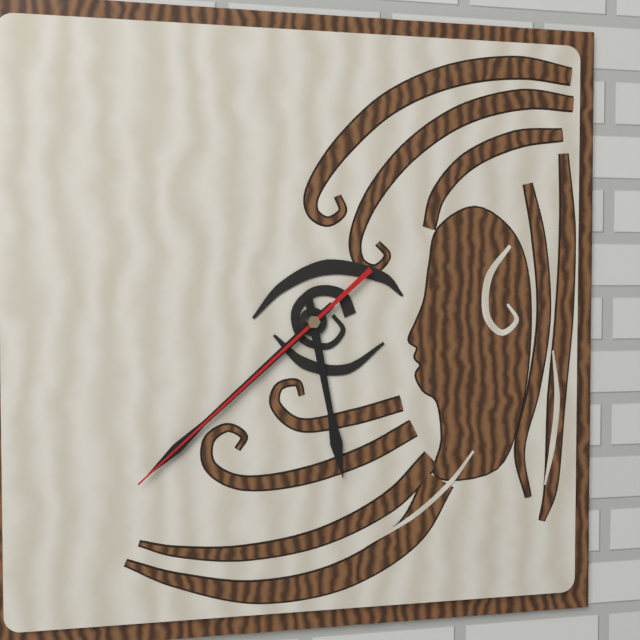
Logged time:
5h38m38s
